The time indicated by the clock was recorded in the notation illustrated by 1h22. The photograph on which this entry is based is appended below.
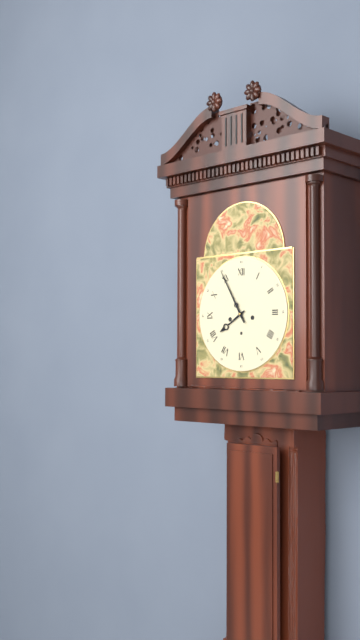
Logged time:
7h55
